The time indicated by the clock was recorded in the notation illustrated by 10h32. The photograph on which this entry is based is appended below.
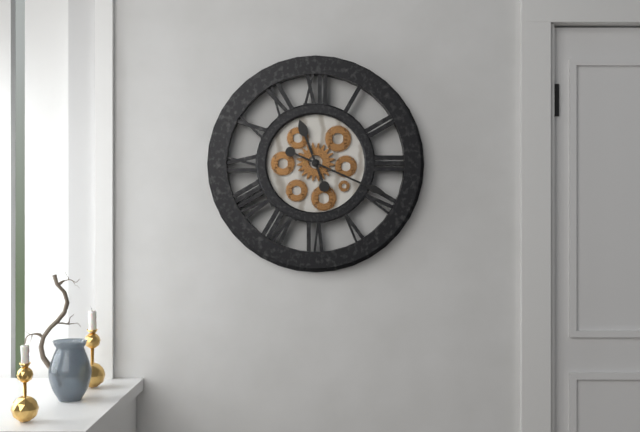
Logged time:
11h19
